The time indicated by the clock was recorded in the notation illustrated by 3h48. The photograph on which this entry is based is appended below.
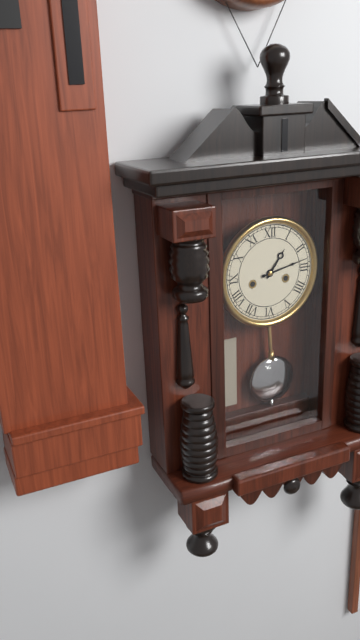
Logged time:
1h13
